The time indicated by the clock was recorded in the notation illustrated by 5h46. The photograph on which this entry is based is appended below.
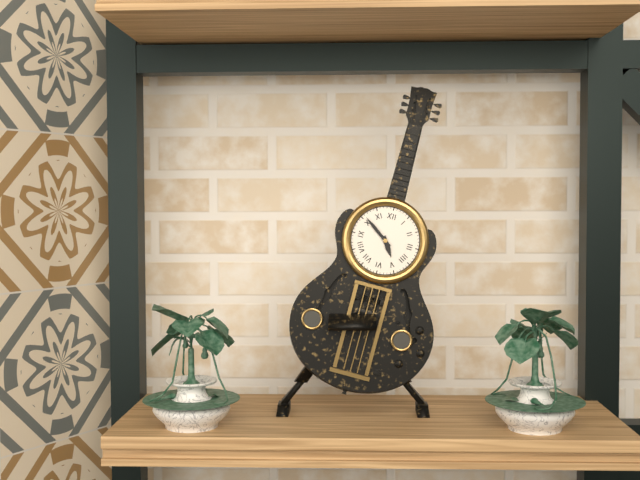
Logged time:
4h51
